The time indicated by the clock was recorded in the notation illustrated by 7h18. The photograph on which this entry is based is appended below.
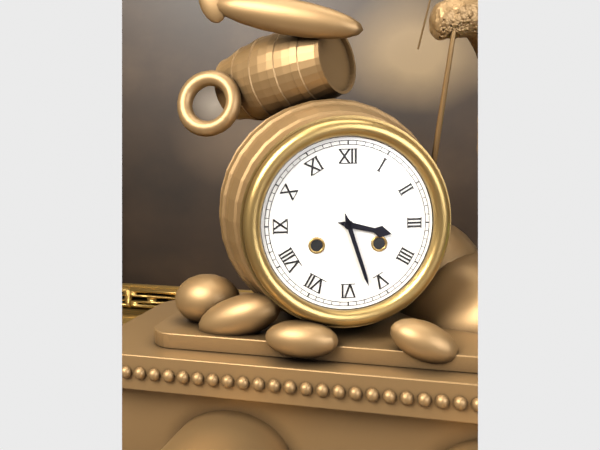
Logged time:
3h27
